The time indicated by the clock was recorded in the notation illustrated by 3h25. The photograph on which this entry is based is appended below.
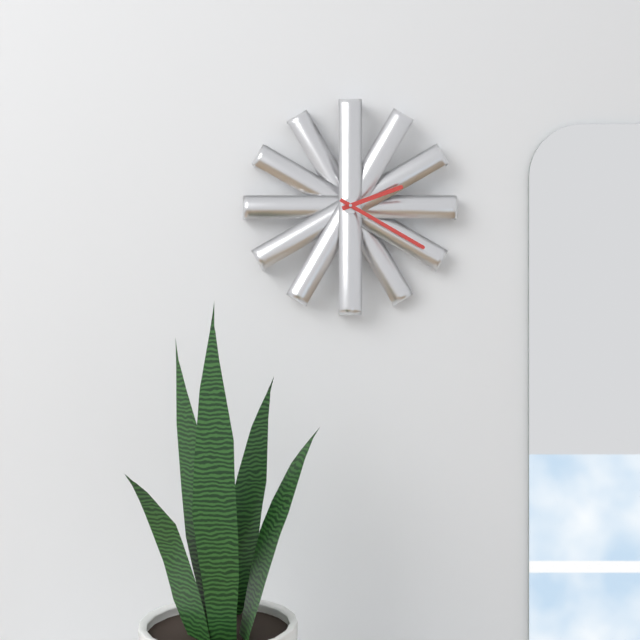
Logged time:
2h20
